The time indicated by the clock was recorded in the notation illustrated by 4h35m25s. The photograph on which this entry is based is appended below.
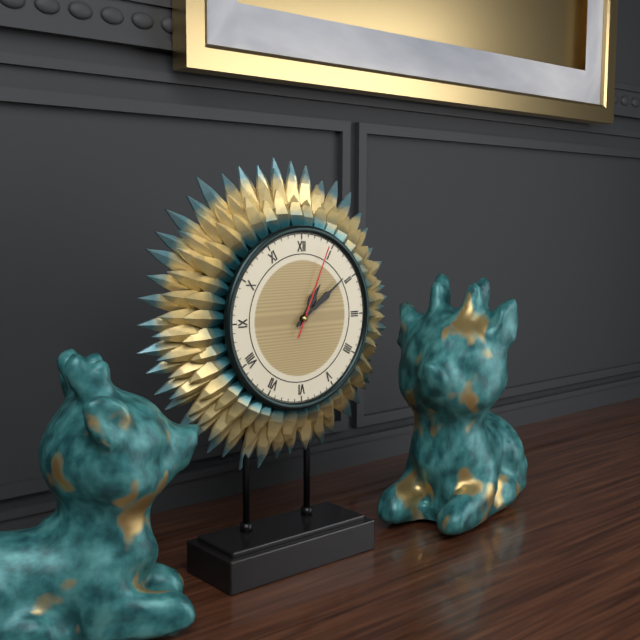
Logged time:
1h09m04s
